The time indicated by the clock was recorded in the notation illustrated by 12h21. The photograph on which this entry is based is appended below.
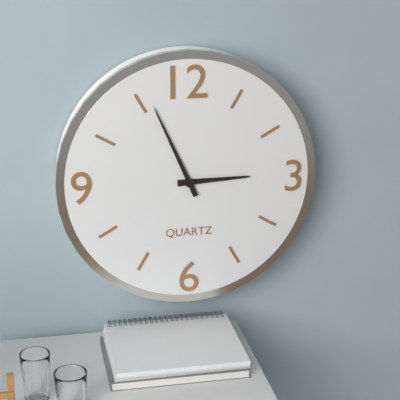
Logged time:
2h56
